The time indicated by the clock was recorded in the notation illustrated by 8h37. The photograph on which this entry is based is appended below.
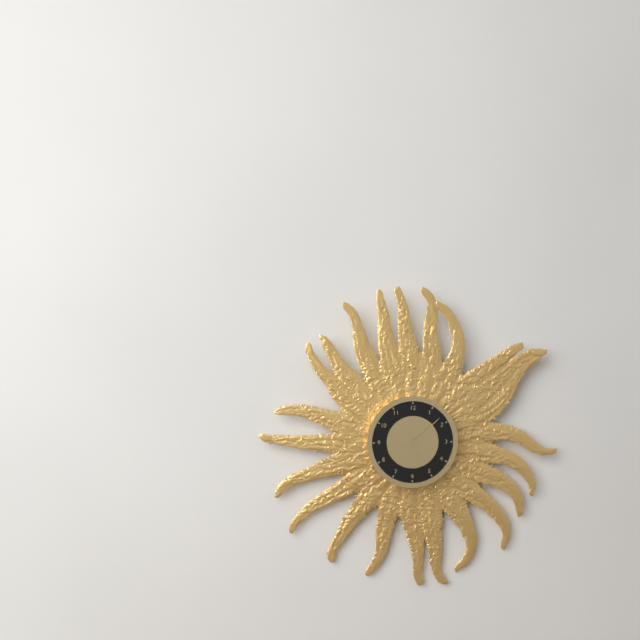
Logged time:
5h08
